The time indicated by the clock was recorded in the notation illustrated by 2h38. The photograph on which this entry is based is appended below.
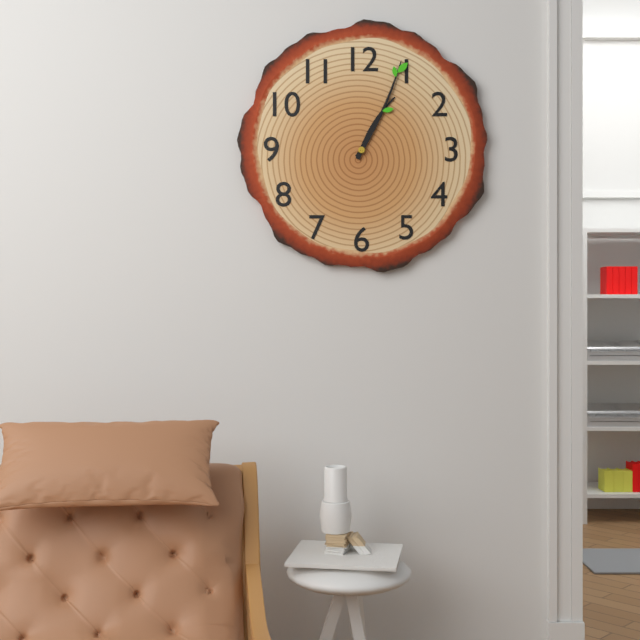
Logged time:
1h04
